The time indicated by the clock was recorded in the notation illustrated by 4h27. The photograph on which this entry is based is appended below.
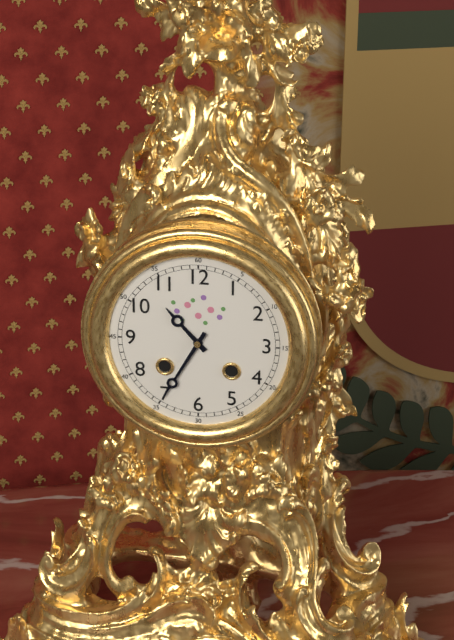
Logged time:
10h35
